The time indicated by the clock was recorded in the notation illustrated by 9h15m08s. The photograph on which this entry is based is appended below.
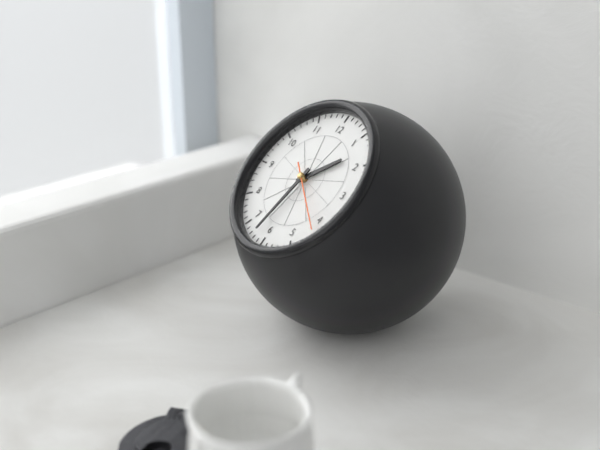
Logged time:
1h32m21s
